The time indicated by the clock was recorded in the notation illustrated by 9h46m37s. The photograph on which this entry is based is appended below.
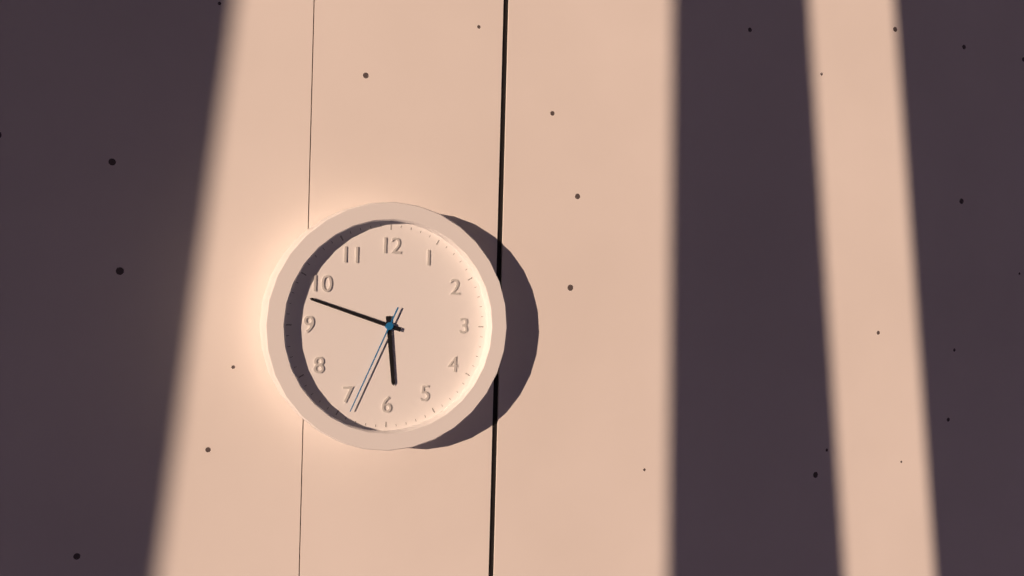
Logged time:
5h48m34s
